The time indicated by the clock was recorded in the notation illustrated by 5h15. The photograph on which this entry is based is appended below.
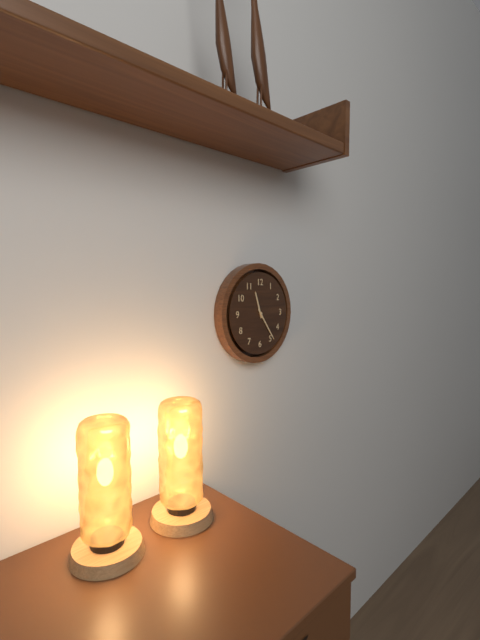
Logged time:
11h24
